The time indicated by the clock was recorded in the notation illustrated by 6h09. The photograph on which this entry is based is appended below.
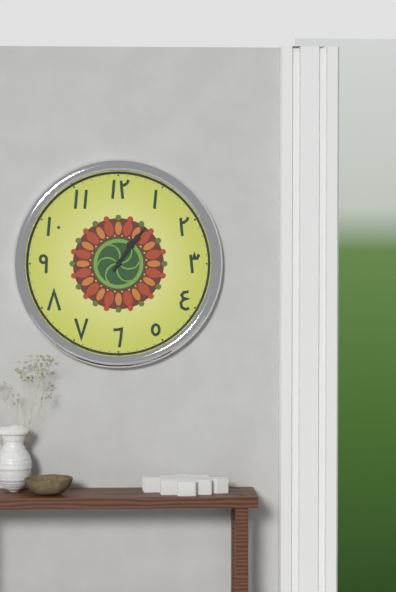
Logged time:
1h06
